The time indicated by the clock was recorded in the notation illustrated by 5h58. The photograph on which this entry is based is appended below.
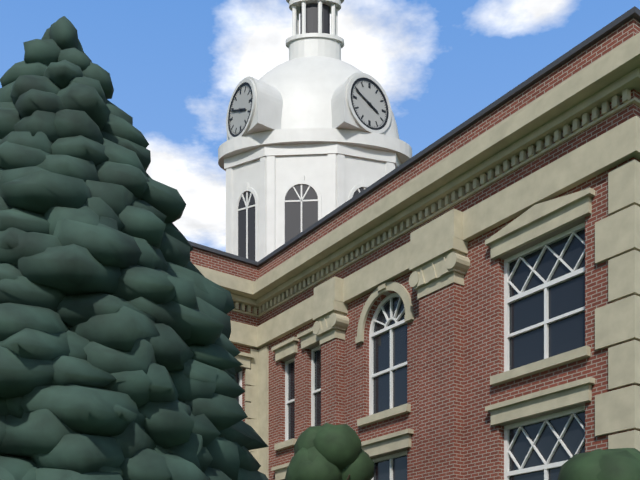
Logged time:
3h49
